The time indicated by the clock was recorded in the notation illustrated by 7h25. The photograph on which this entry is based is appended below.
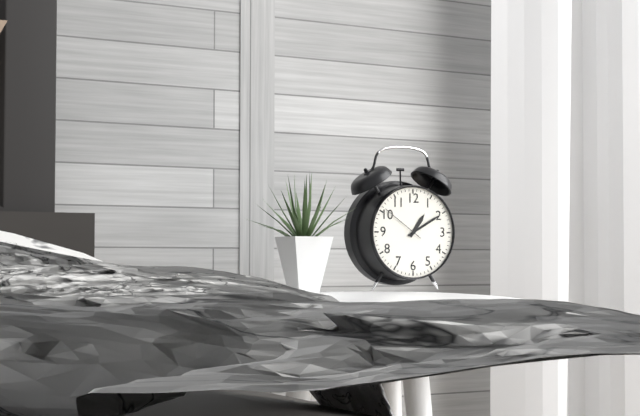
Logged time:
1h10
